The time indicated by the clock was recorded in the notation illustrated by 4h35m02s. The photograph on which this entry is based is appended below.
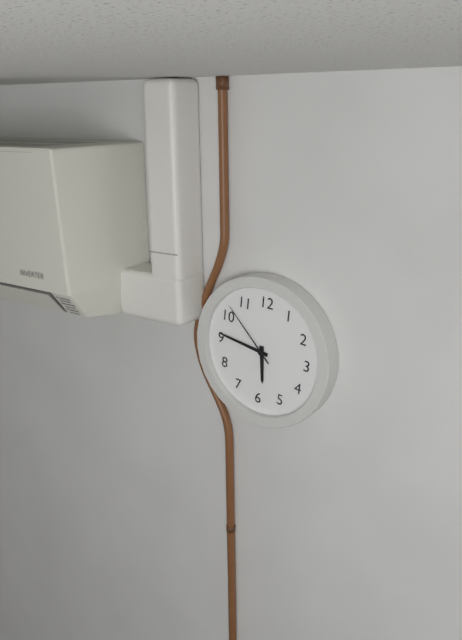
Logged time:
5h46m52s
